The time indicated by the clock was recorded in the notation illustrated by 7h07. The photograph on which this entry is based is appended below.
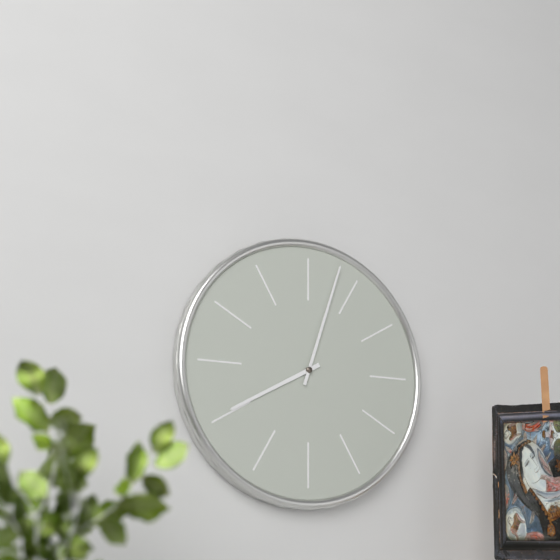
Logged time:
8h03
